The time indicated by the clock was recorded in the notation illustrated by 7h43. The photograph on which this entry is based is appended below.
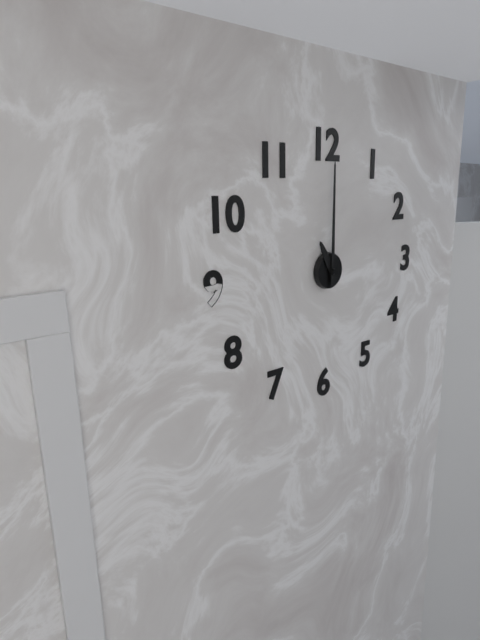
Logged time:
11h00
